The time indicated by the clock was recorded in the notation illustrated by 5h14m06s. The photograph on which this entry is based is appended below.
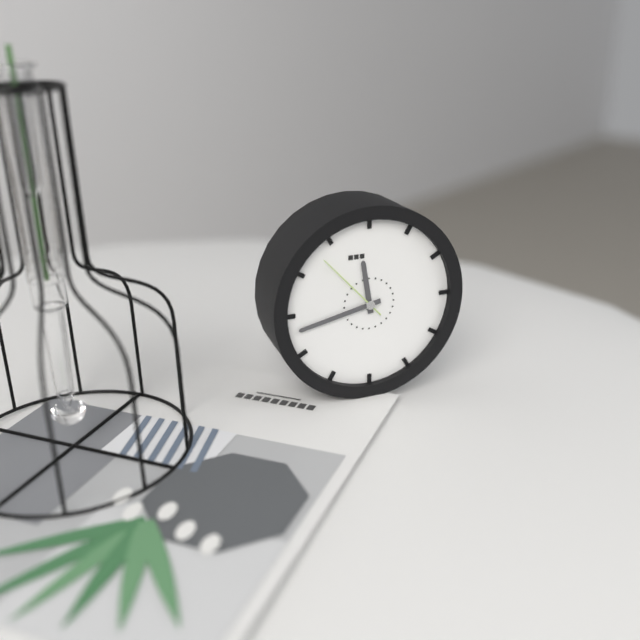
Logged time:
11h43m53s
